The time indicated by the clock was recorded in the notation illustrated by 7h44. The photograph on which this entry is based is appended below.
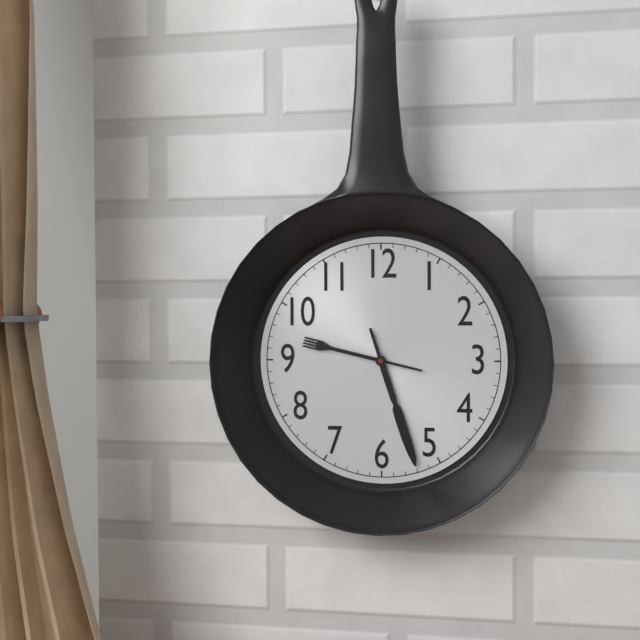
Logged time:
9h27
